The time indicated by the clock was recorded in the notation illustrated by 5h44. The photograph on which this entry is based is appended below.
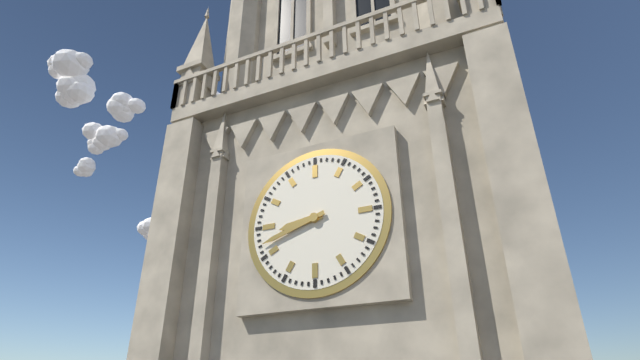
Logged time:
8h42
